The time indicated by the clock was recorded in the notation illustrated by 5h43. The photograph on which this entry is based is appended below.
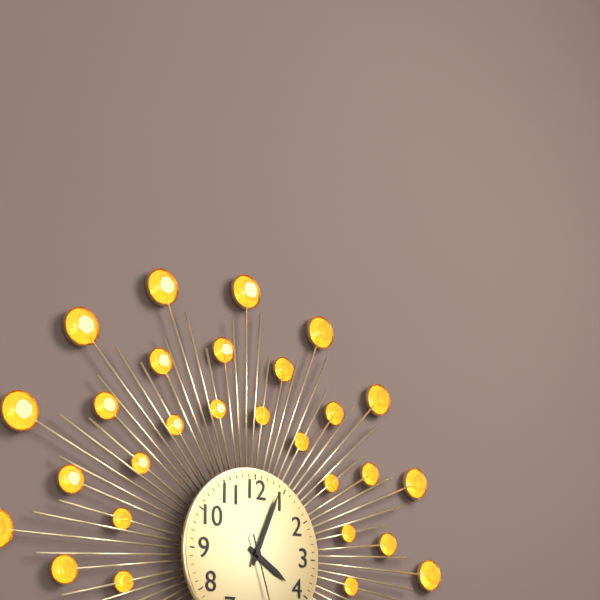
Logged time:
4h04
